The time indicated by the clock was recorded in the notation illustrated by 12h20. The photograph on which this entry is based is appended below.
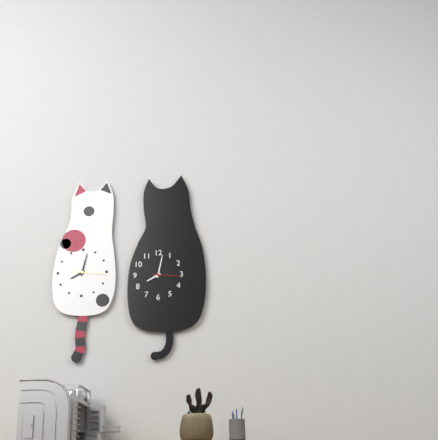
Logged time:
8h02
